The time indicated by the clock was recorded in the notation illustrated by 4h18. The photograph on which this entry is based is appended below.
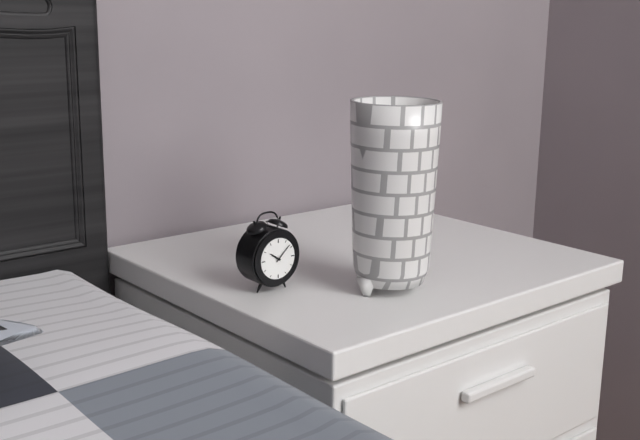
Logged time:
10h08
